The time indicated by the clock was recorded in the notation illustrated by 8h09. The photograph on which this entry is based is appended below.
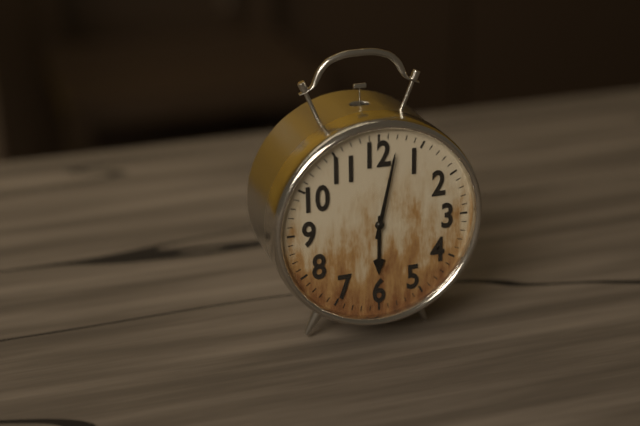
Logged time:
6h02
